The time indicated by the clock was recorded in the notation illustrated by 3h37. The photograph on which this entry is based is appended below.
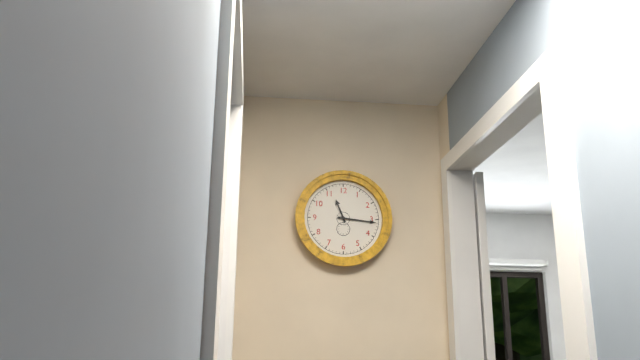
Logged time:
11h16
